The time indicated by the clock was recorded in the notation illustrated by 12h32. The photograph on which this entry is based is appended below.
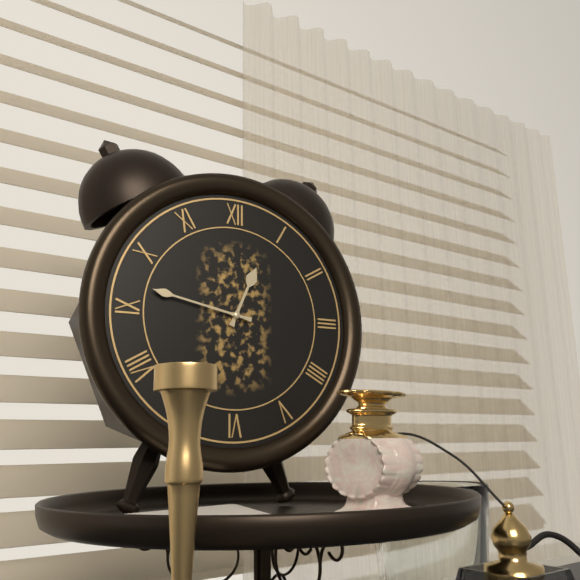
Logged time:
12h47
